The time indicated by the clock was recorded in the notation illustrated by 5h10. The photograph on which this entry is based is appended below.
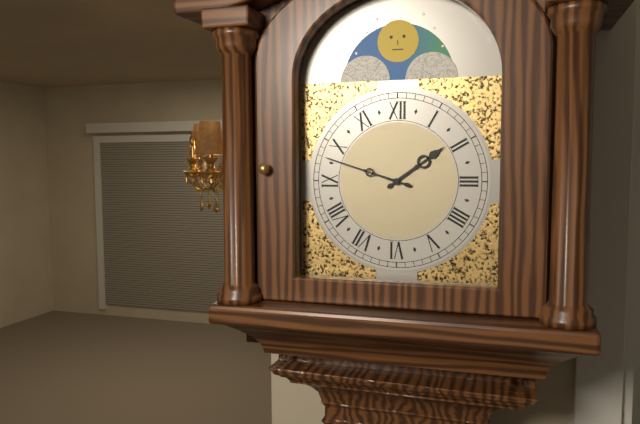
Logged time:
1h48
